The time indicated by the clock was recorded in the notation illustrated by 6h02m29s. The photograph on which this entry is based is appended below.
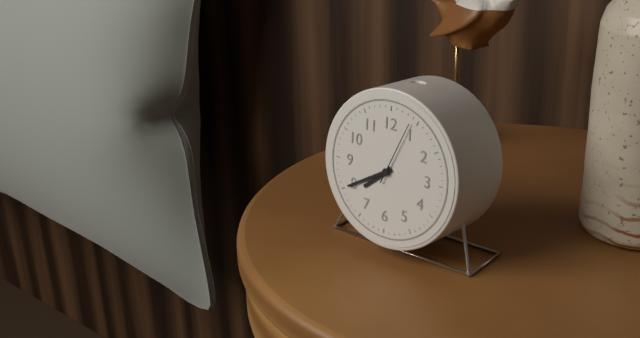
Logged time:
7h40m04s
